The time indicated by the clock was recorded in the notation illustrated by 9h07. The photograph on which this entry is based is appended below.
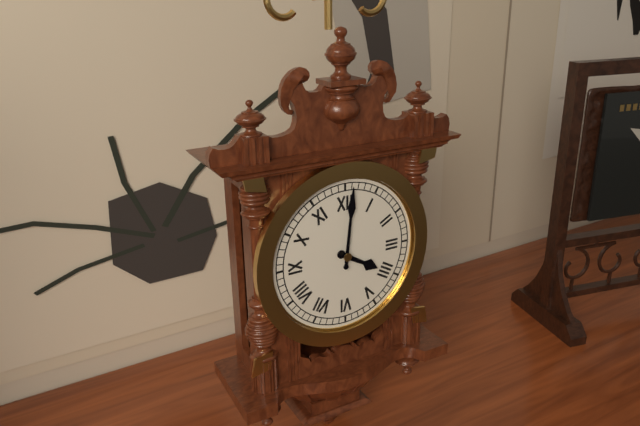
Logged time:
4h01
